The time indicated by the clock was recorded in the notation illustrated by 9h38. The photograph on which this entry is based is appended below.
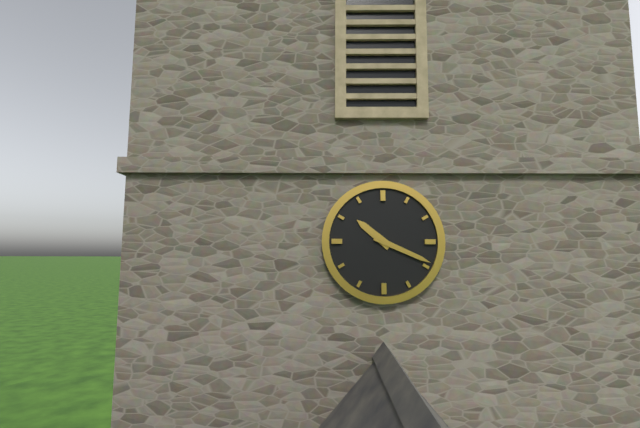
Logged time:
10h19
